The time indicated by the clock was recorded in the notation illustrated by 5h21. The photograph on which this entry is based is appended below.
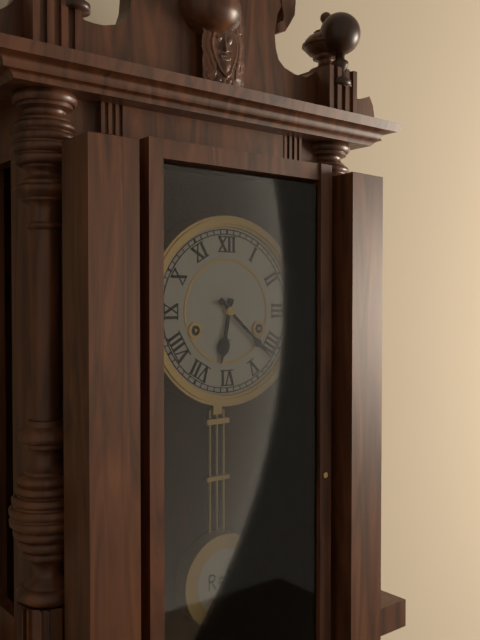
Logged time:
6h22
